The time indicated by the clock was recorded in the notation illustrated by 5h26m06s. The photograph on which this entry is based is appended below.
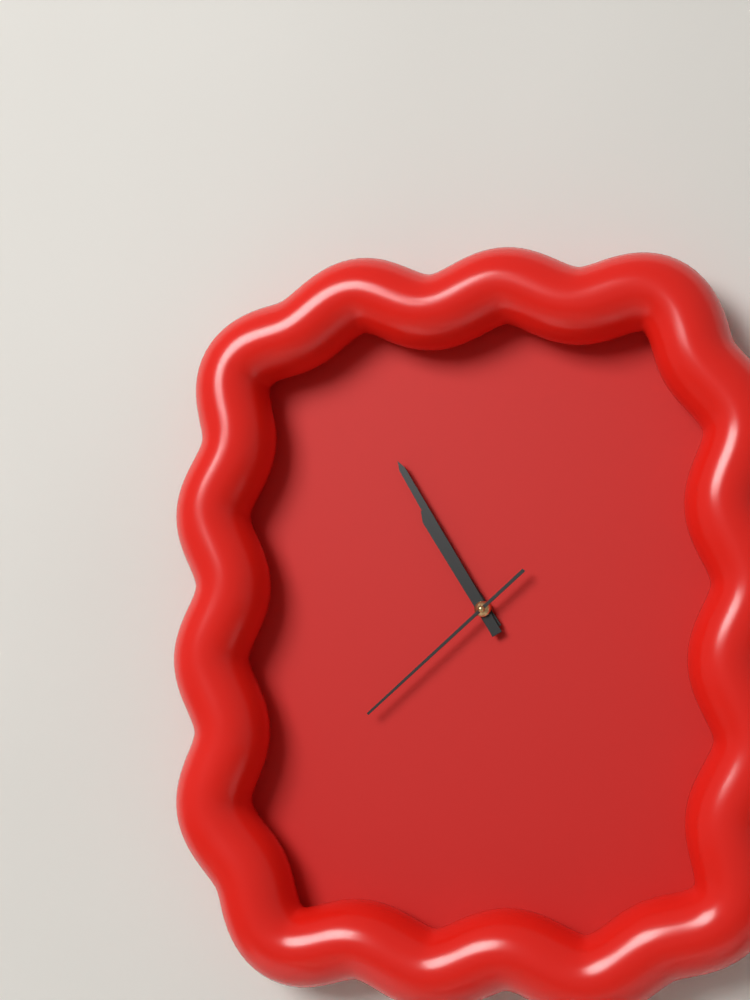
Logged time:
10h55m38s
